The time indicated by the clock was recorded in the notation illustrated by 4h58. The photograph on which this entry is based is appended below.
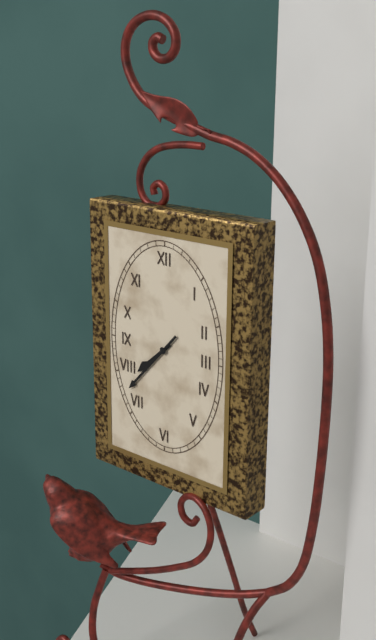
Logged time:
7h37
